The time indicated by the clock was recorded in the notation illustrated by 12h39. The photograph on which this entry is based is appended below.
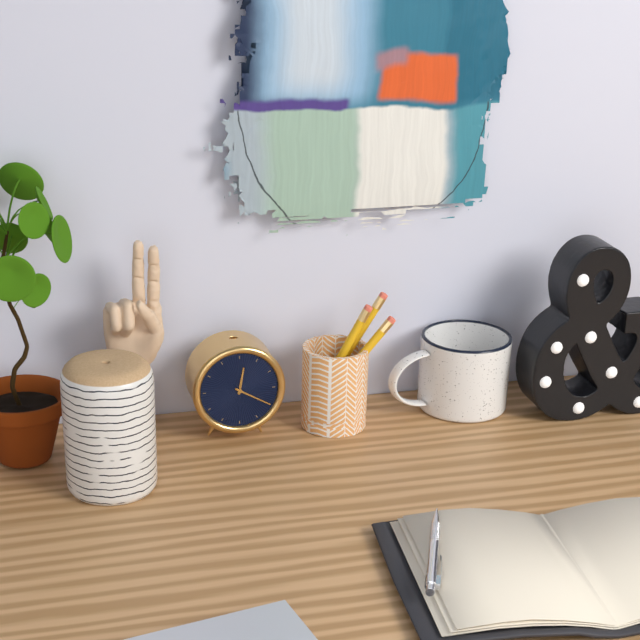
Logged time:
12h20
